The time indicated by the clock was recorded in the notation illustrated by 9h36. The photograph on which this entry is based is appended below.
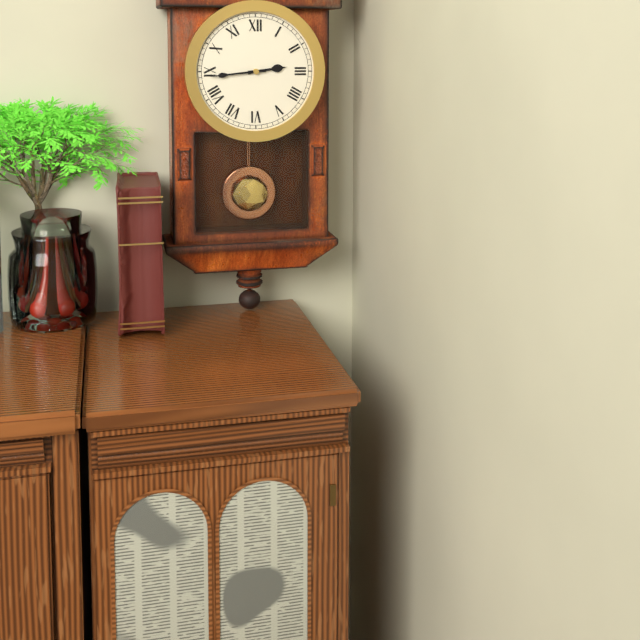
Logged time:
2h44
